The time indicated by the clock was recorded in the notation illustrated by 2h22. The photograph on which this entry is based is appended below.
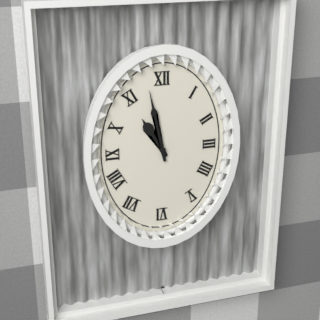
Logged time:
10h58
